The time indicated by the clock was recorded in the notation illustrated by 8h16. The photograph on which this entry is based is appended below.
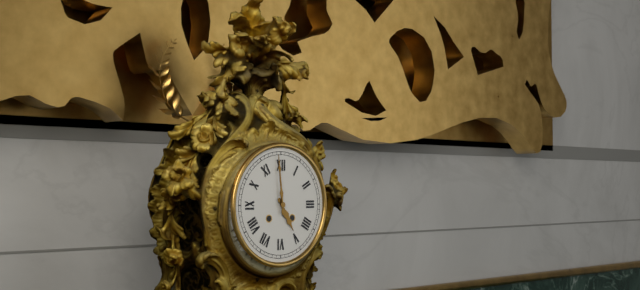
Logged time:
4h59
